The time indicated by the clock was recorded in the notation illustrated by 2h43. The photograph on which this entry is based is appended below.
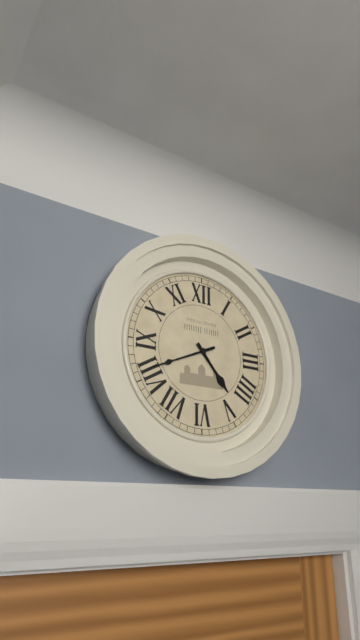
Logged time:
4h41
